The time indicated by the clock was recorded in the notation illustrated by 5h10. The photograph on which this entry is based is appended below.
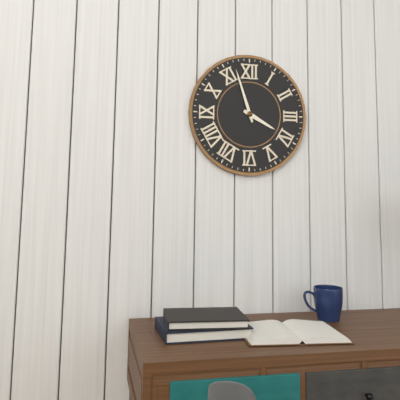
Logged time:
3h57
